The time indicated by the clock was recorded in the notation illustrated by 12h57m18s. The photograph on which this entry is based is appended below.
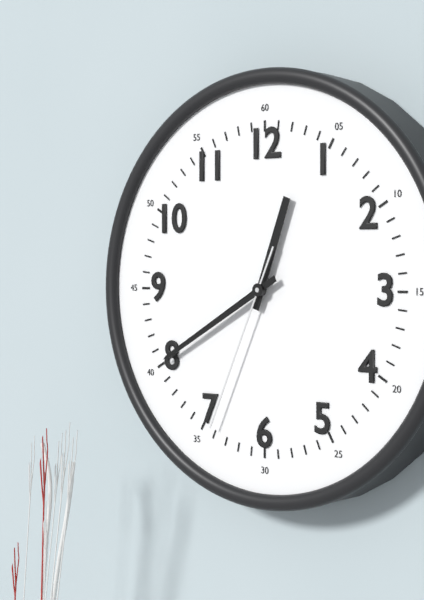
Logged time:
12h40m34s
